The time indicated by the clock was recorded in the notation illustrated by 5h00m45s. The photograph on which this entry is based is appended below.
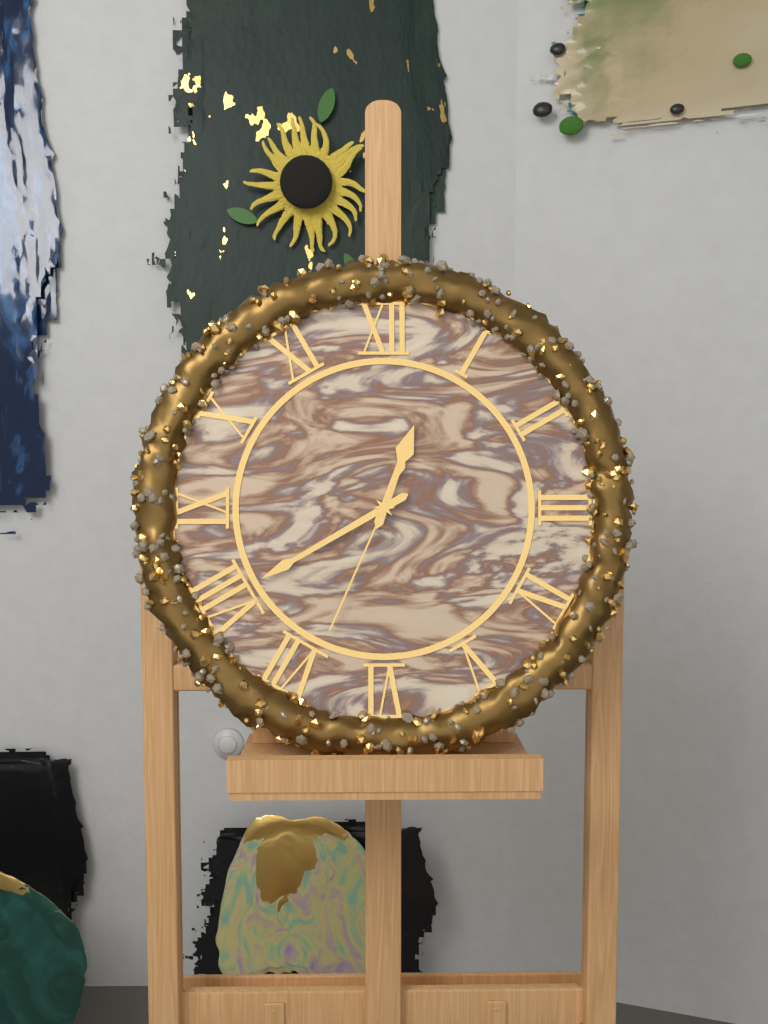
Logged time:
12h40m34s
